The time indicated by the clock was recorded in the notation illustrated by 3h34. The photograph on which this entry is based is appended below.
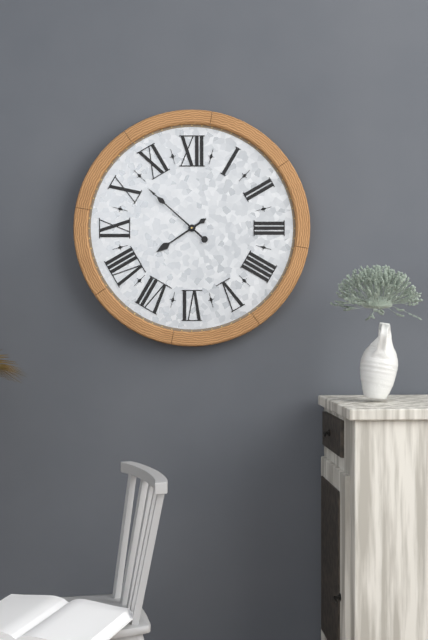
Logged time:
7h52
